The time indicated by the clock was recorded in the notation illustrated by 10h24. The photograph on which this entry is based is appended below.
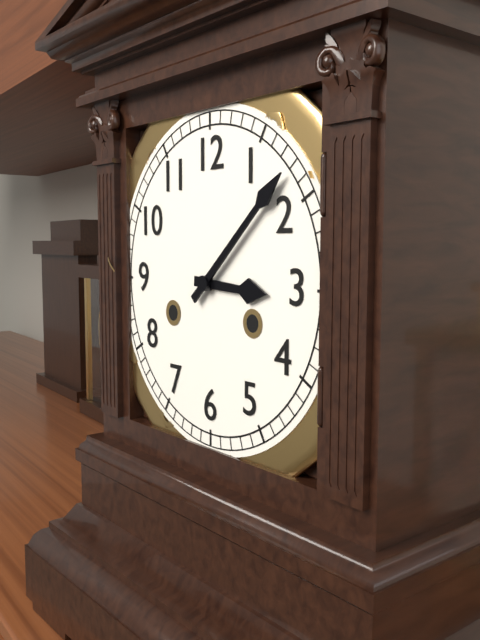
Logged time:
3h08
